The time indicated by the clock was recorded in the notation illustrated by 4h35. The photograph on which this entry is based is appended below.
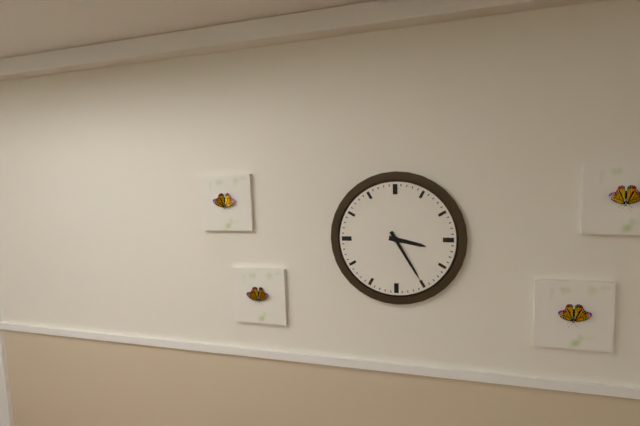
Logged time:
3h25
